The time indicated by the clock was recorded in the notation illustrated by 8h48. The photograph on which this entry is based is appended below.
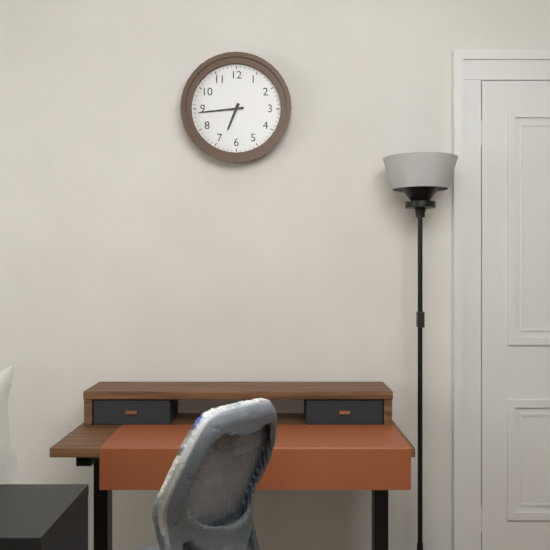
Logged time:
6h44
